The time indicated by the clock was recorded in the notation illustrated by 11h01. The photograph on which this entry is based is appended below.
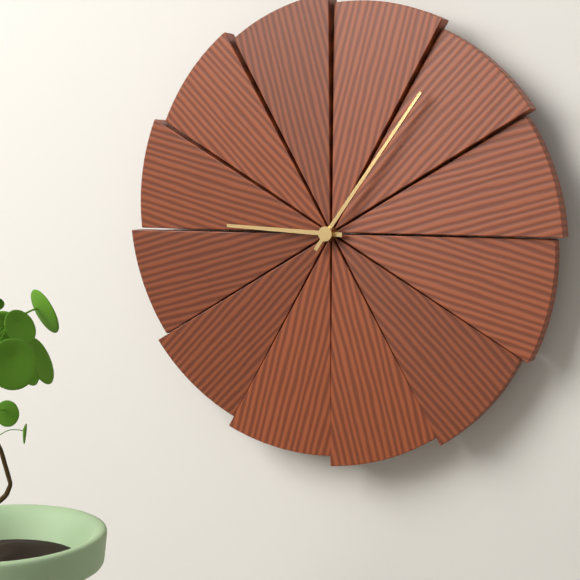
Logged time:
9h06
